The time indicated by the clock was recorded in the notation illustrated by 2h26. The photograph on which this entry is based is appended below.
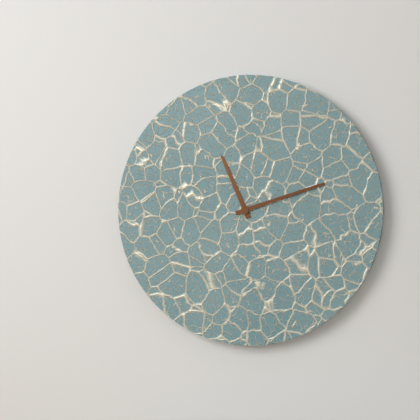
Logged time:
11h12
